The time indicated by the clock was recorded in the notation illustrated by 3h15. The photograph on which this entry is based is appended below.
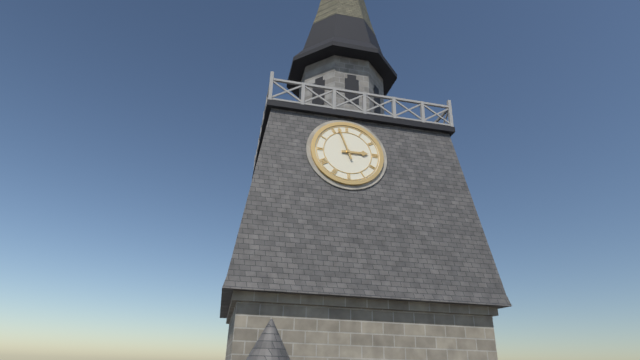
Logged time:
2h57
